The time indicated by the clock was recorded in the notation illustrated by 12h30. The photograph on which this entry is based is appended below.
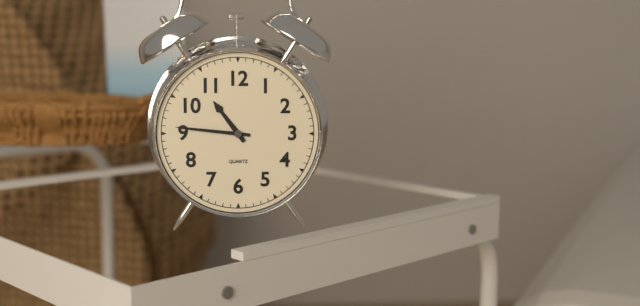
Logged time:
10h46
